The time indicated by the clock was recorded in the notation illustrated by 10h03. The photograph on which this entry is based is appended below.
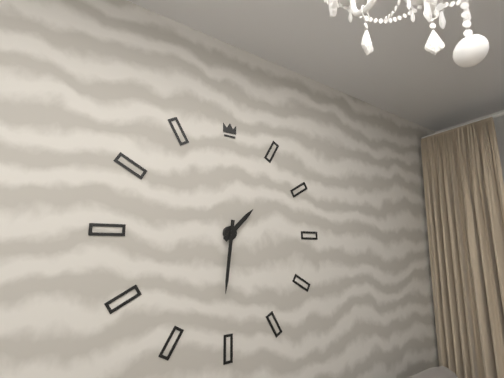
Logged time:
1h31
